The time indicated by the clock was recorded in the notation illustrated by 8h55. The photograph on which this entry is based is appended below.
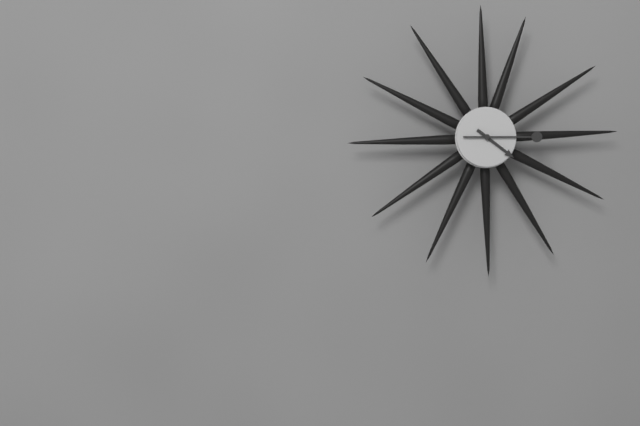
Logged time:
4h15
